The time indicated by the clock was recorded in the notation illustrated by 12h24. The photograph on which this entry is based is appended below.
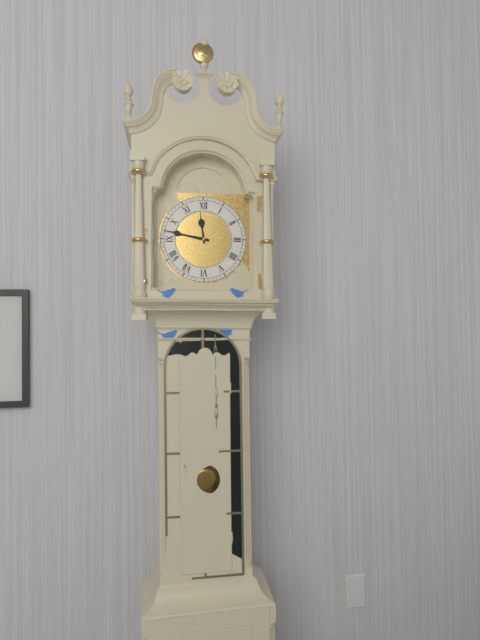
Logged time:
11h47
